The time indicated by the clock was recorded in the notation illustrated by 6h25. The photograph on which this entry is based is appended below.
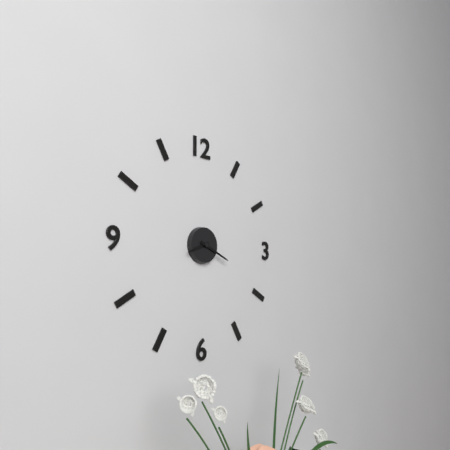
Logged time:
8h19
